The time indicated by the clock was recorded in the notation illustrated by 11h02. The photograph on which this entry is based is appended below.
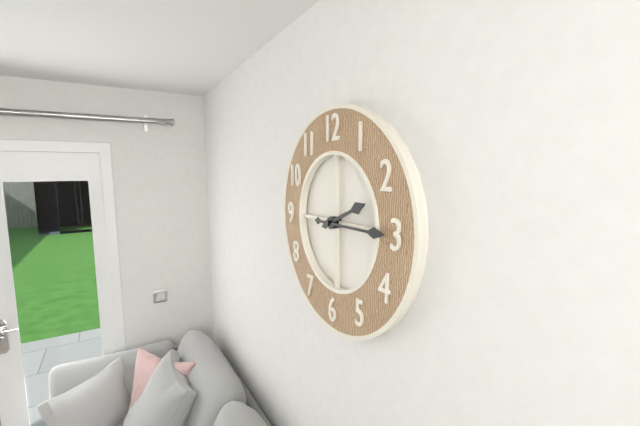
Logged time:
2h15
